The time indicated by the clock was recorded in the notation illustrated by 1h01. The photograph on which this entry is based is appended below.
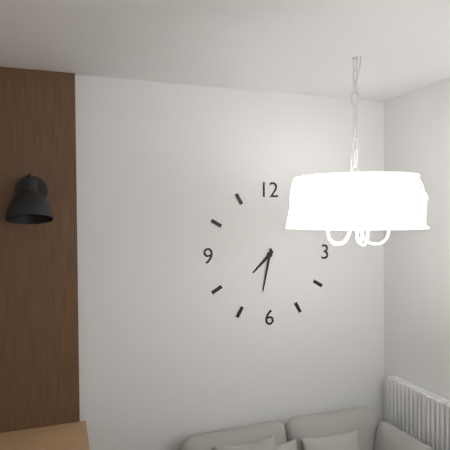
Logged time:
7h32
